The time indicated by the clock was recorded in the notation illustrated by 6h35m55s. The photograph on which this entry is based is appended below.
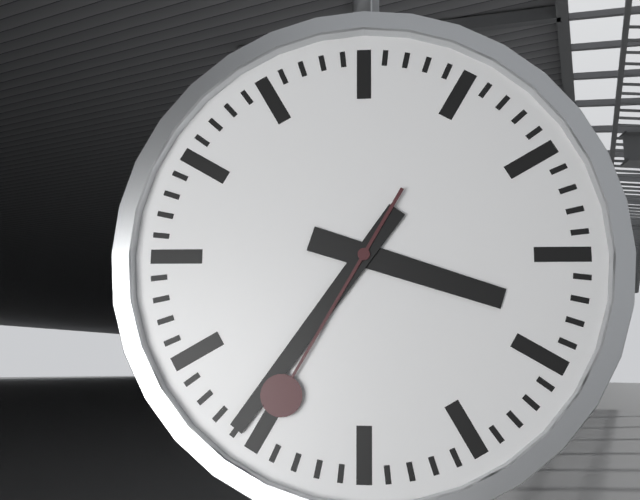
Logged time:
3h36m35s
